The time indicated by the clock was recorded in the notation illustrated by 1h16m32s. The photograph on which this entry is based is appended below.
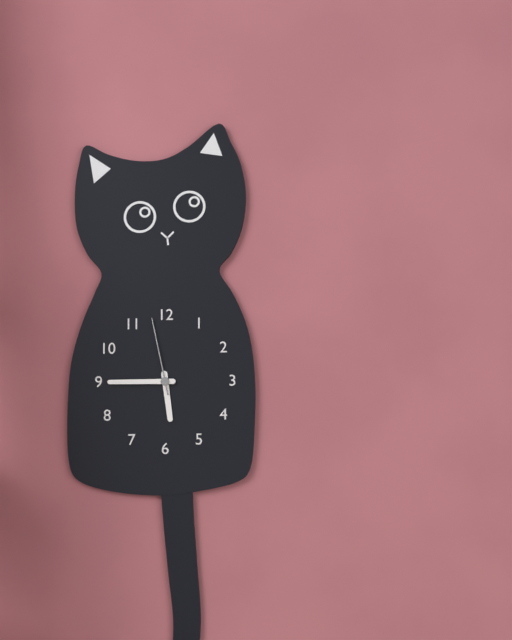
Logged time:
5h45m58s
